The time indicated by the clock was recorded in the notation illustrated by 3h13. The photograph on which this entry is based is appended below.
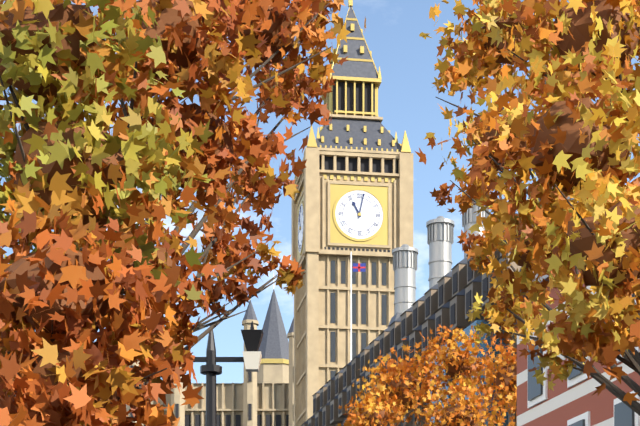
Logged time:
11h02
